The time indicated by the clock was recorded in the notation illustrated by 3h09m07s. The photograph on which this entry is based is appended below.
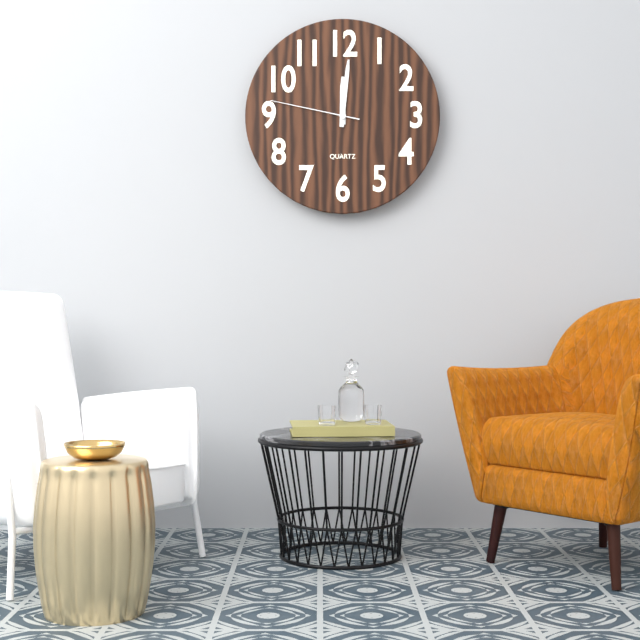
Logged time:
12h01m47s
